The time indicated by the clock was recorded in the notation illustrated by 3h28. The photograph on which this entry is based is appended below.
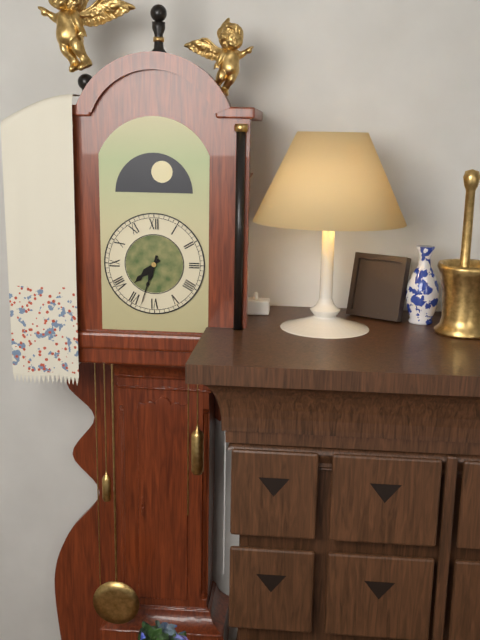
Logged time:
7h33
